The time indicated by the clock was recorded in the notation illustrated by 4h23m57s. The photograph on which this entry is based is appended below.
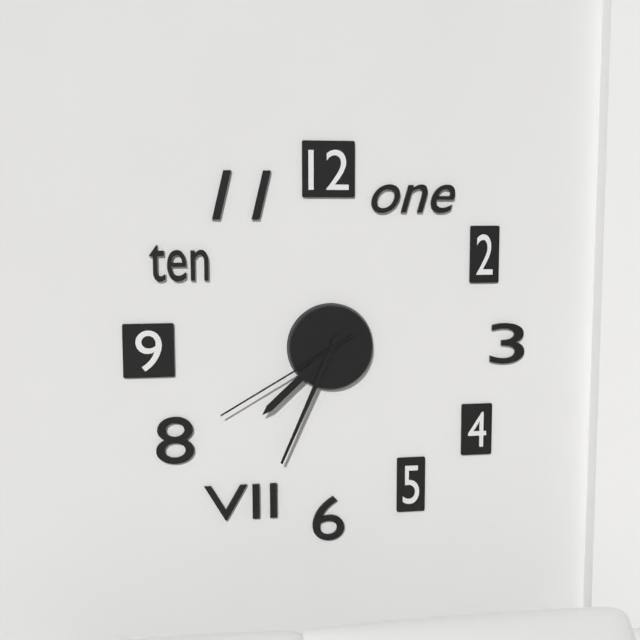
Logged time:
7h34m40s
